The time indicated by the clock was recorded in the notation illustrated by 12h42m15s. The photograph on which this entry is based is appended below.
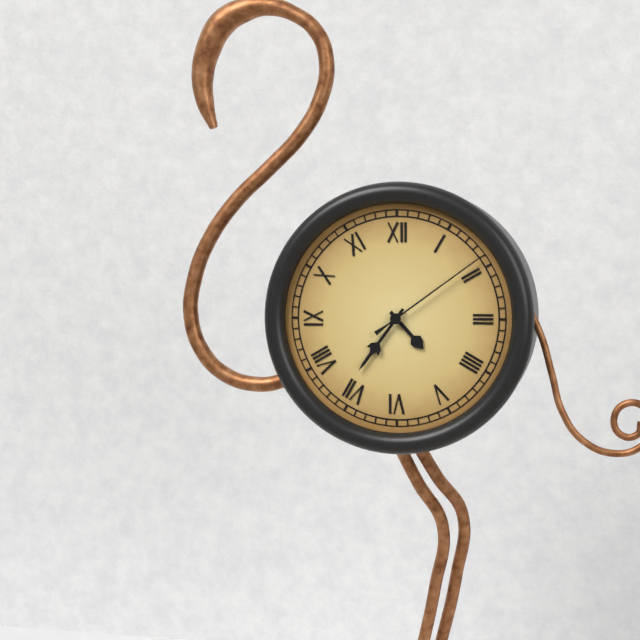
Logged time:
4h36m09s
